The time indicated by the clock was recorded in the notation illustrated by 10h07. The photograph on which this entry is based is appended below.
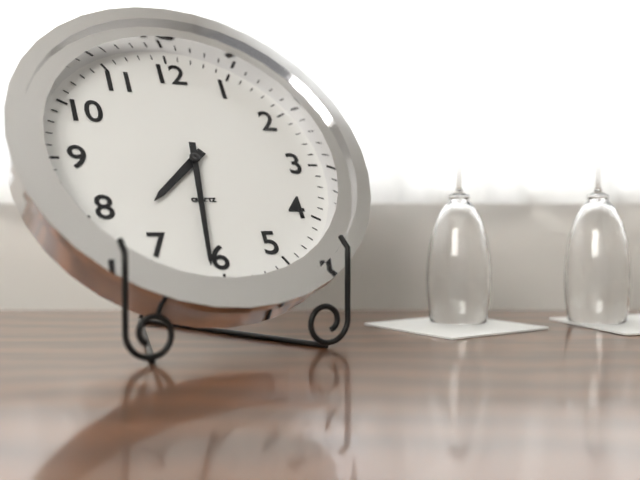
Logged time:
7h31
